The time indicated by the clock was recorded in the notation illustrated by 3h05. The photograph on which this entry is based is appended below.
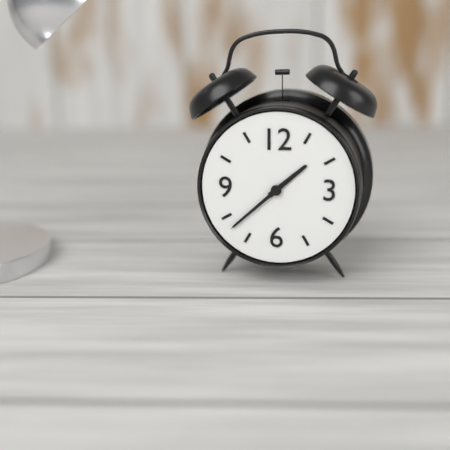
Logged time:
1h38
